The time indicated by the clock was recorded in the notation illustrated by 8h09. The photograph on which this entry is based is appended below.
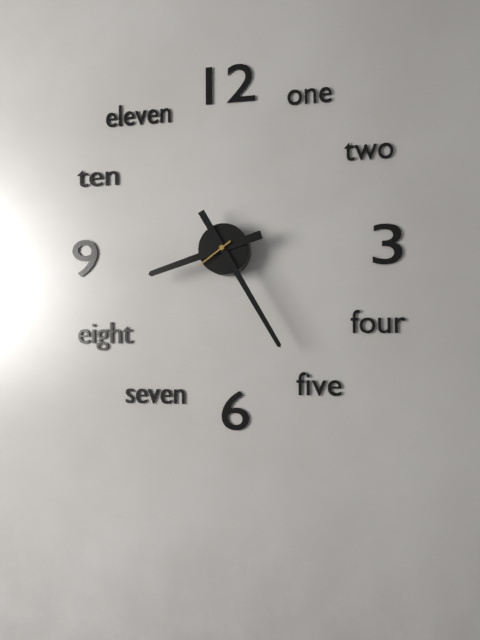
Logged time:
8h25
